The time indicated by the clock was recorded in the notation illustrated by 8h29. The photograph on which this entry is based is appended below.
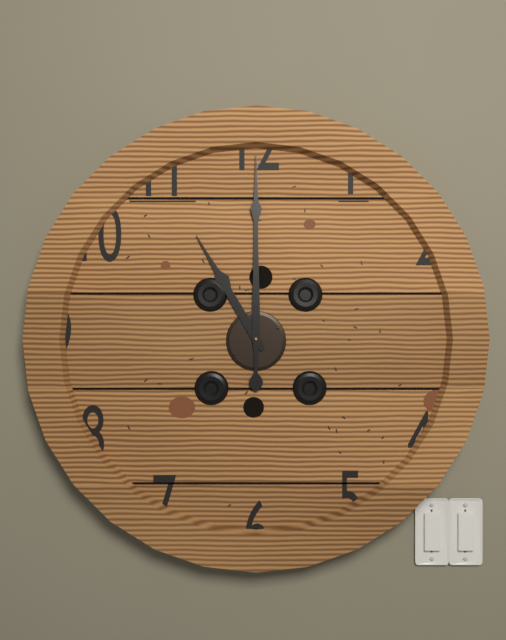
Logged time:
11h00
